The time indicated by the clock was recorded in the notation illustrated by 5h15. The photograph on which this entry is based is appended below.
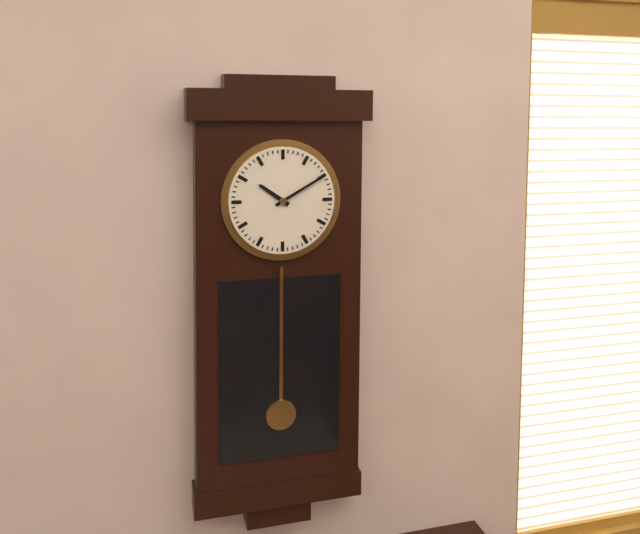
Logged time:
10h10
